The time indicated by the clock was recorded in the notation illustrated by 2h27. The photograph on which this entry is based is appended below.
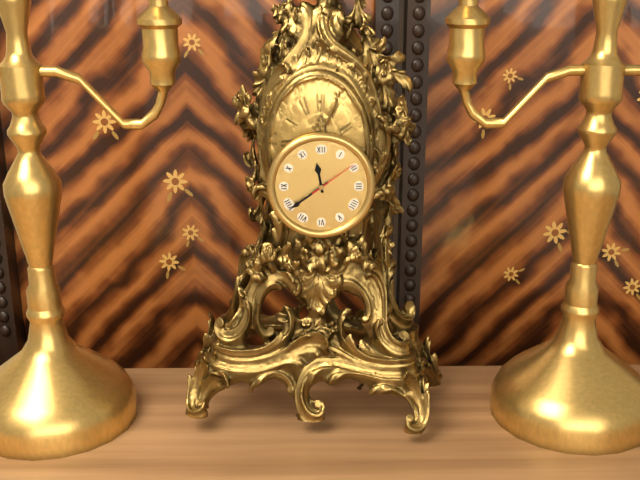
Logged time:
11h39
